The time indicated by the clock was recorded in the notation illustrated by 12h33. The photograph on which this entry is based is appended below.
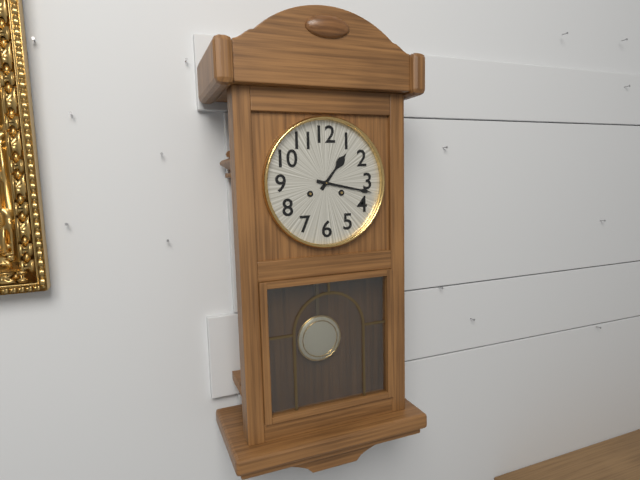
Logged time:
1h17
